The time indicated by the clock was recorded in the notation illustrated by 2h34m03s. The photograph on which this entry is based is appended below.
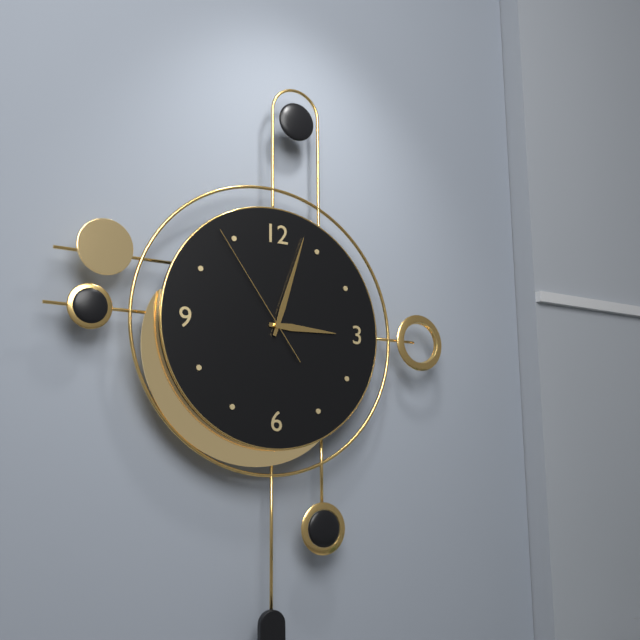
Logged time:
3h03m54s
